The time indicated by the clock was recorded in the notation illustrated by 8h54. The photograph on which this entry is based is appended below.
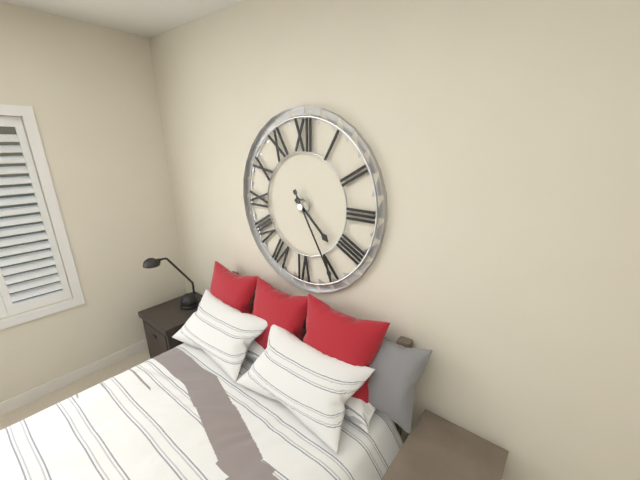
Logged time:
4h25
